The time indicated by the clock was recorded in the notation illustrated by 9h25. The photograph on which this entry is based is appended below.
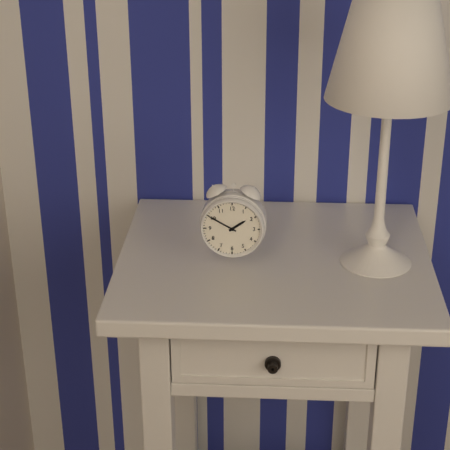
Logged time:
1h50
